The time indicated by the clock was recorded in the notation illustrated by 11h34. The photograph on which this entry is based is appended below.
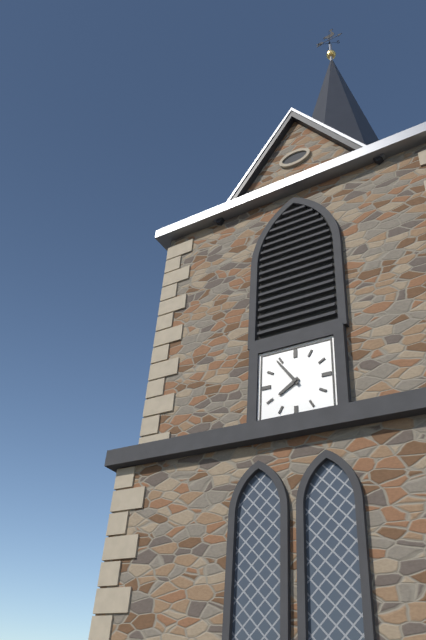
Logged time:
7h54
